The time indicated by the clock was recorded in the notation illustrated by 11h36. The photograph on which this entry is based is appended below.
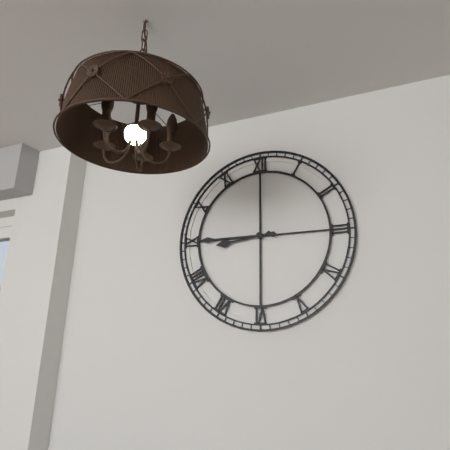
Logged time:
8h45
